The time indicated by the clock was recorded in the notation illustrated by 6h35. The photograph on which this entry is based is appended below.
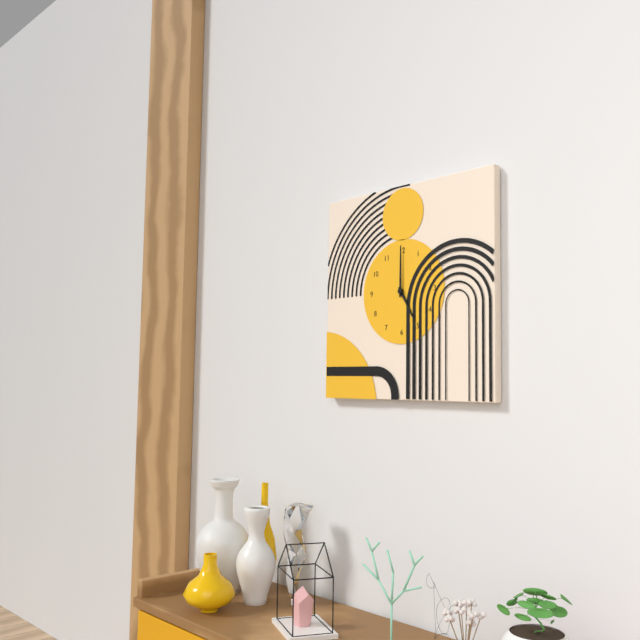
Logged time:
5h00
